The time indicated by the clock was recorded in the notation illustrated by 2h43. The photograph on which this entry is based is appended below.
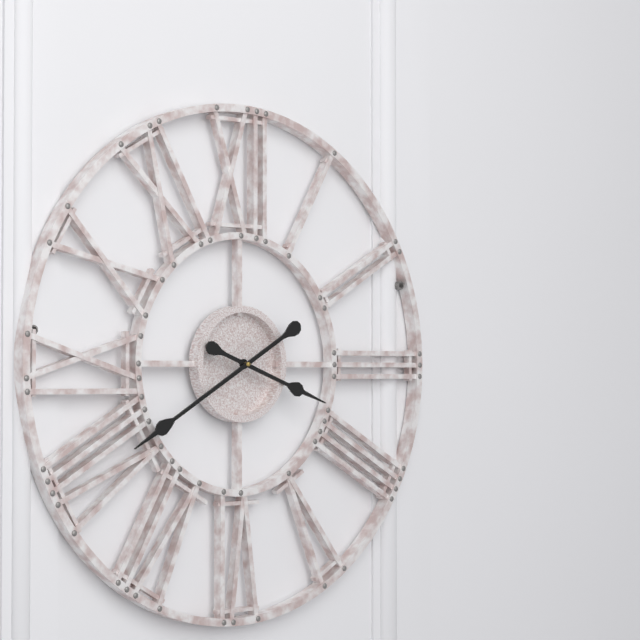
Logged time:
3h40
